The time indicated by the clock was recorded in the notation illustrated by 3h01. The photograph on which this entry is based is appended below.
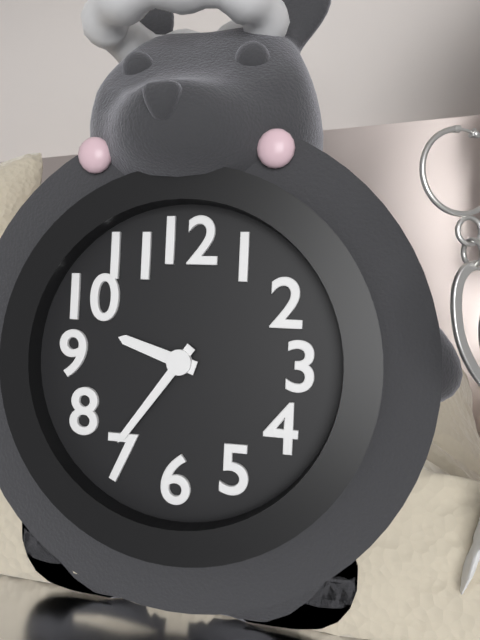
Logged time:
9h36
